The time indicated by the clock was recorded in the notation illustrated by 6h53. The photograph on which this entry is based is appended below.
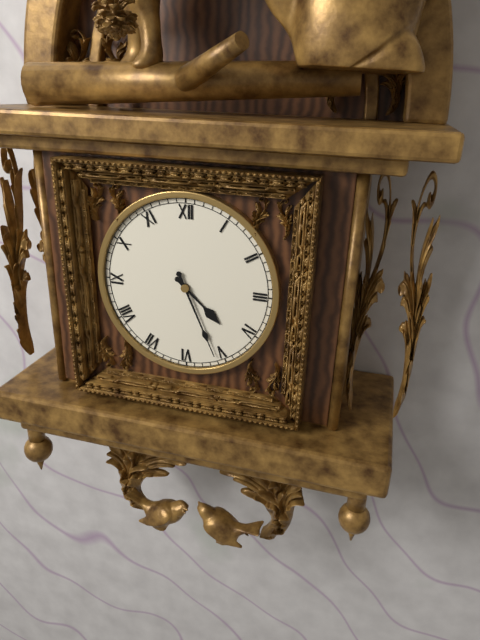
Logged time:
4h26
